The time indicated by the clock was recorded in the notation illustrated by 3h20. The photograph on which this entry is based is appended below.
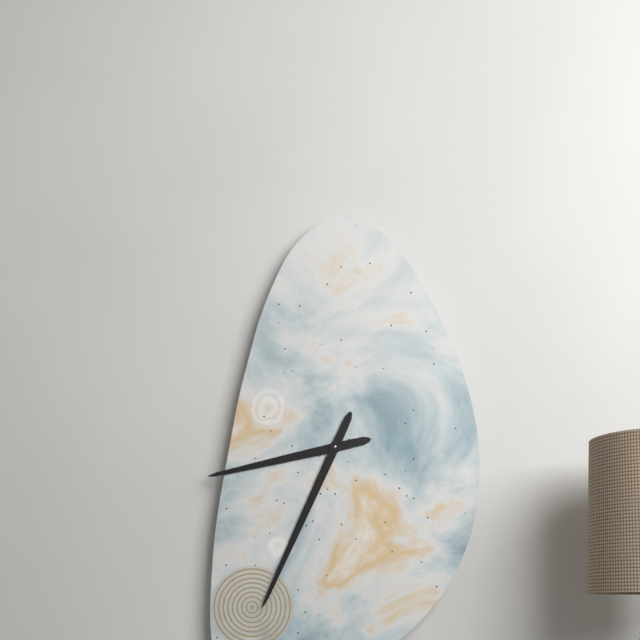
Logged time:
8h34
